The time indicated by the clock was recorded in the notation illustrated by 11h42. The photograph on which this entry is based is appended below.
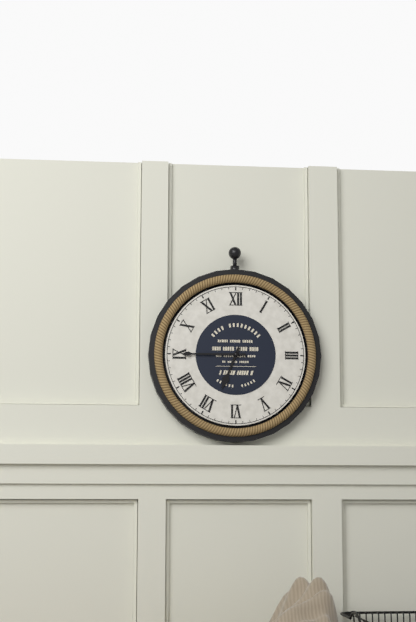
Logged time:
6h45
